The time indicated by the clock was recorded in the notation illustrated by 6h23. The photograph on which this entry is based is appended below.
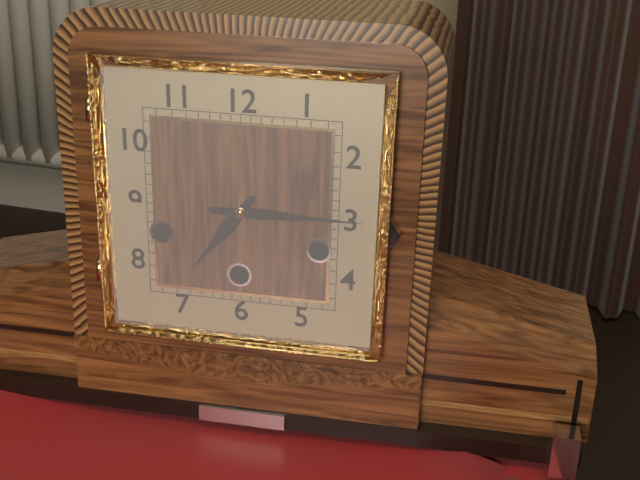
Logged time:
7h15
